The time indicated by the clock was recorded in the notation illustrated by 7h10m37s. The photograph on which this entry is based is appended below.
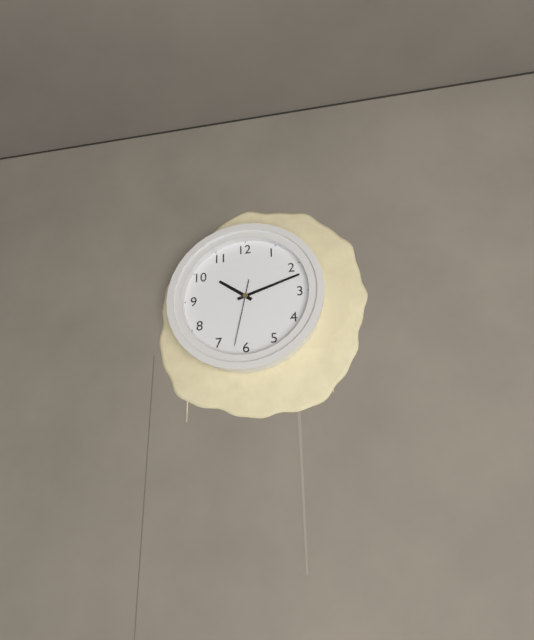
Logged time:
10h12m32s
